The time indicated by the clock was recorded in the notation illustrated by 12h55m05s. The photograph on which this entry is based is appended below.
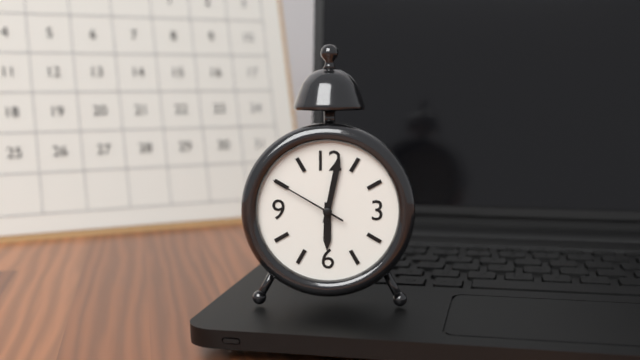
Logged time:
6h02m50s
